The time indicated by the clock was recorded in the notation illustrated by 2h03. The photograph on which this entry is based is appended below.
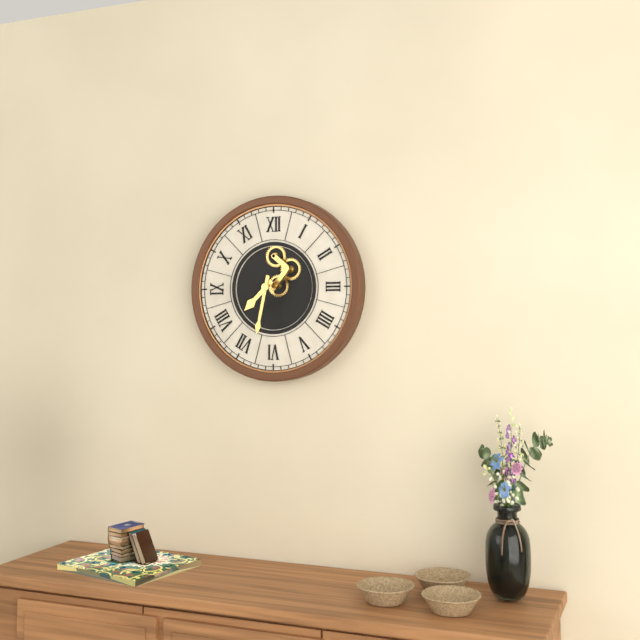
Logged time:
7h32
